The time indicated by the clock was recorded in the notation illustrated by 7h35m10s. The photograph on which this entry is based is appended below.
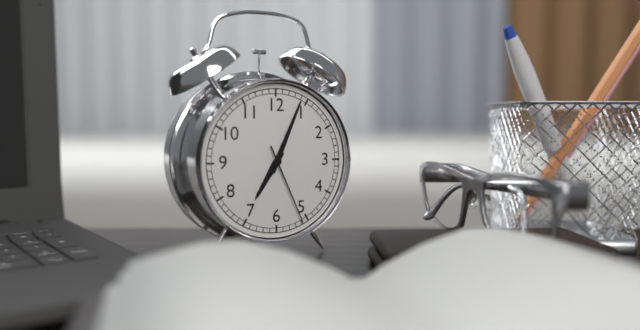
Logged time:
7h04m26s
